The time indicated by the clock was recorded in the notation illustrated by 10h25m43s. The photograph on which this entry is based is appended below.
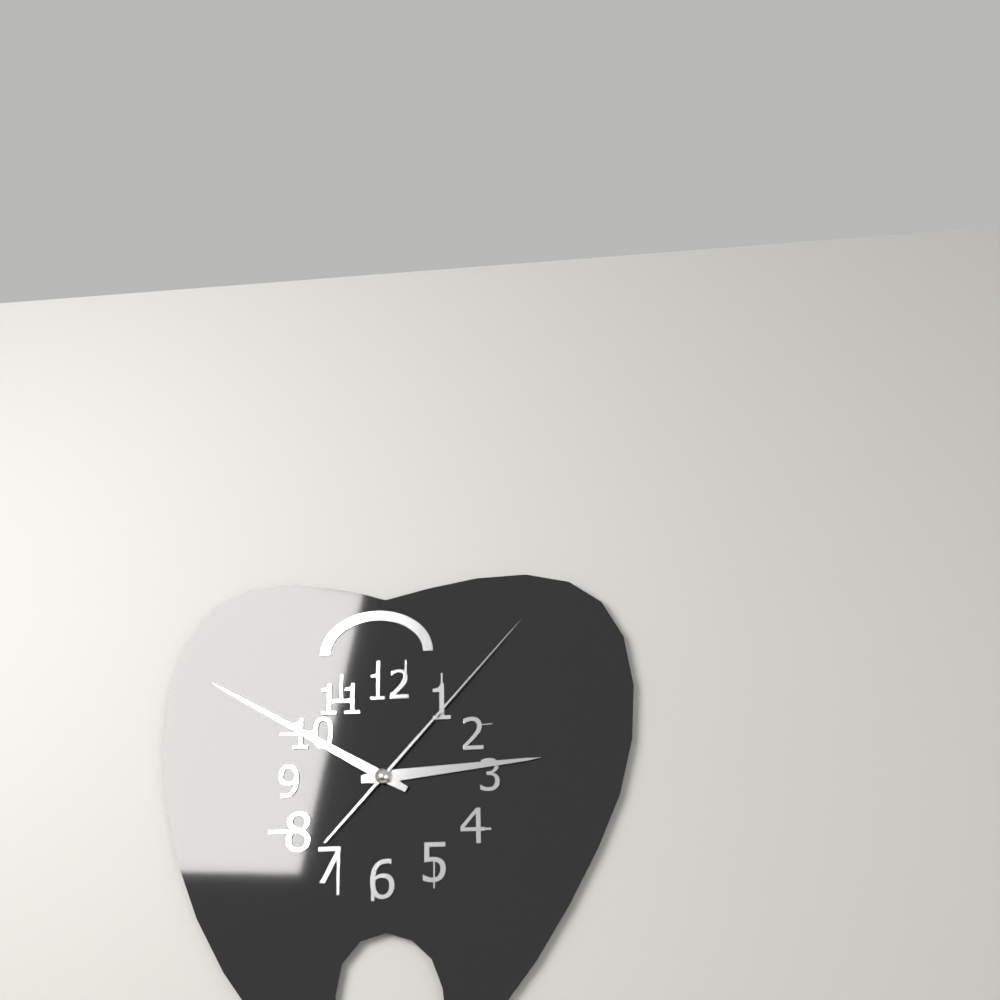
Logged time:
2h50m07s
